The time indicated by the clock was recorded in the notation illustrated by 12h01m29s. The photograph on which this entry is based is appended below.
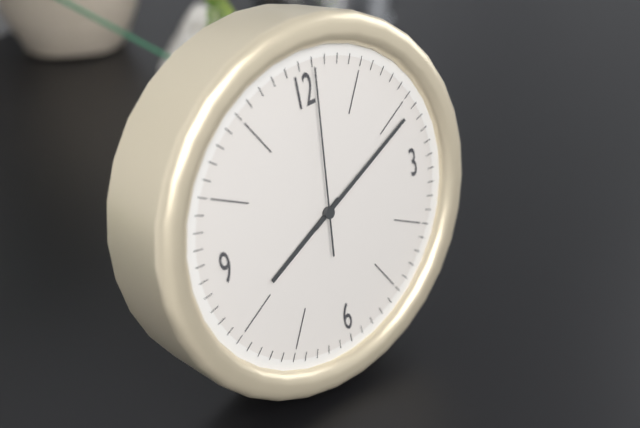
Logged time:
8h11m01s
